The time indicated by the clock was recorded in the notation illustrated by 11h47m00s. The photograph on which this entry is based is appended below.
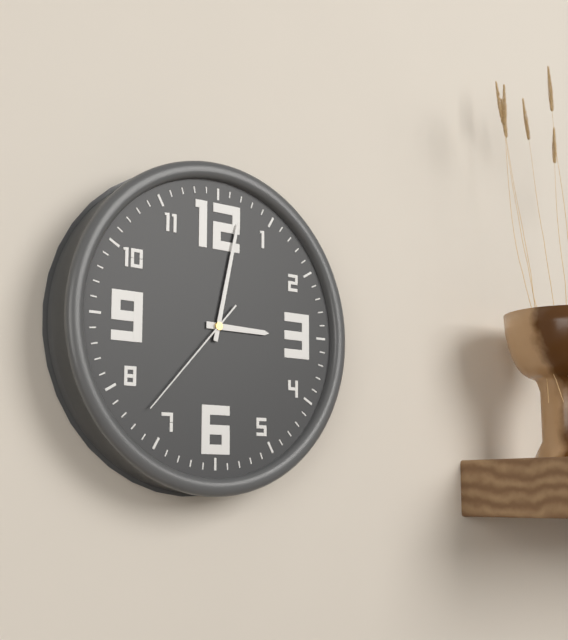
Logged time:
3h02m37s
